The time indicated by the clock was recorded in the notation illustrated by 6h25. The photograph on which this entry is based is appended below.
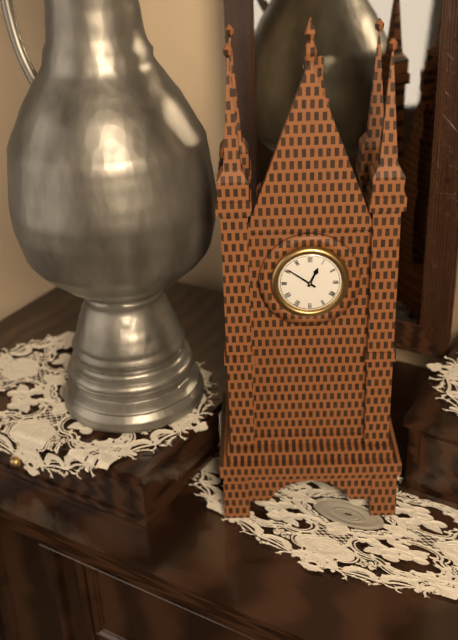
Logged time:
12h51
